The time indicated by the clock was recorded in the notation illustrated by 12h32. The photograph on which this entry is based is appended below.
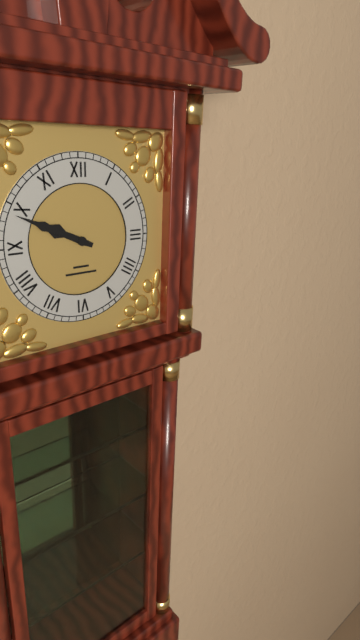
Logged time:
9h49
